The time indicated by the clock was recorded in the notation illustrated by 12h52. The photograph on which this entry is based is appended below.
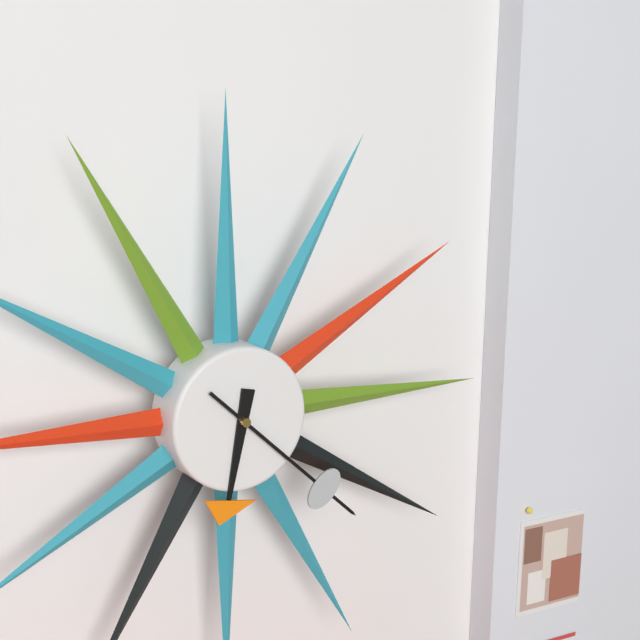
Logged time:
6h22
